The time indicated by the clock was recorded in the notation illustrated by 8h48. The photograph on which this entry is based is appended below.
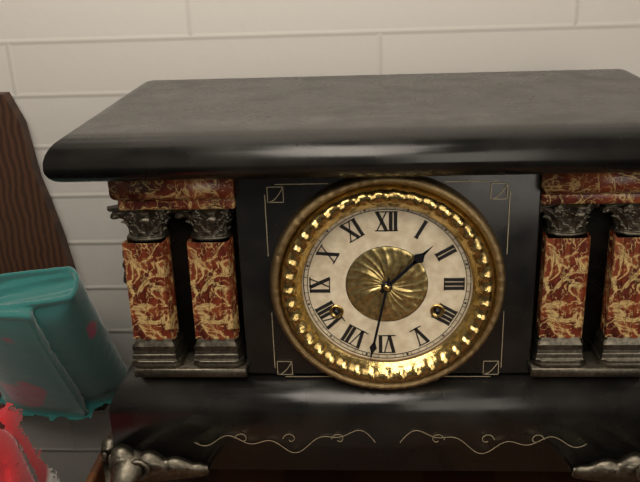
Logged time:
1h32
